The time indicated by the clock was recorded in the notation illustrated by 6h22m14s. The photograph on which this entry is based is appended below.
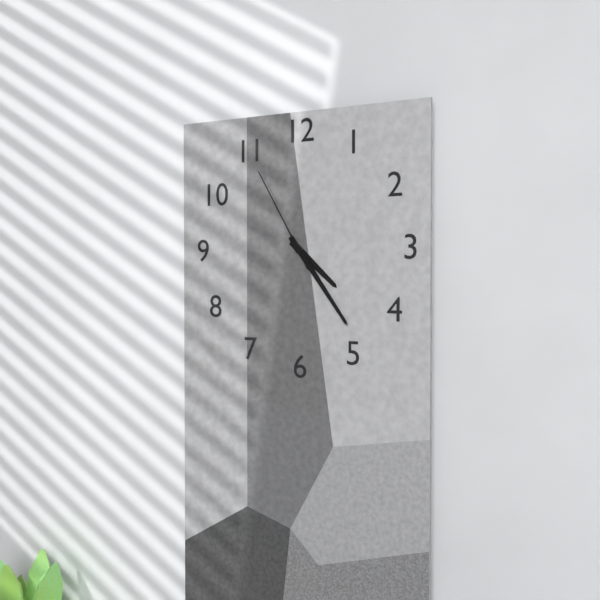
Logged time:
4h24m55s
